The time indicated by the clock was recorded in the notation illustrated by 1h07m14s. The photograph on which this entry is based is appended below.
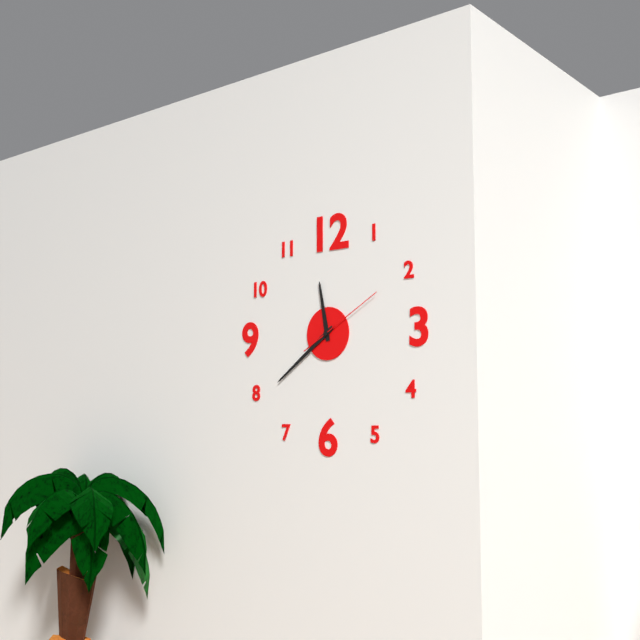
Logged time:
11h39m10s
